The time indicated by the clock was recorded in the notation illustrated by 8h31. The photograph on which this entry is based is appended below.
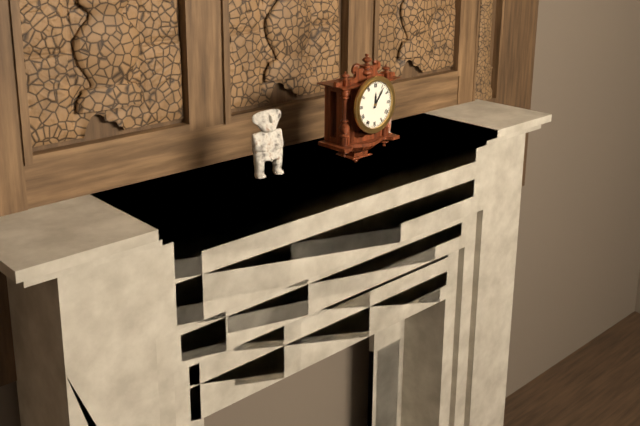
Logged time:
12h06
